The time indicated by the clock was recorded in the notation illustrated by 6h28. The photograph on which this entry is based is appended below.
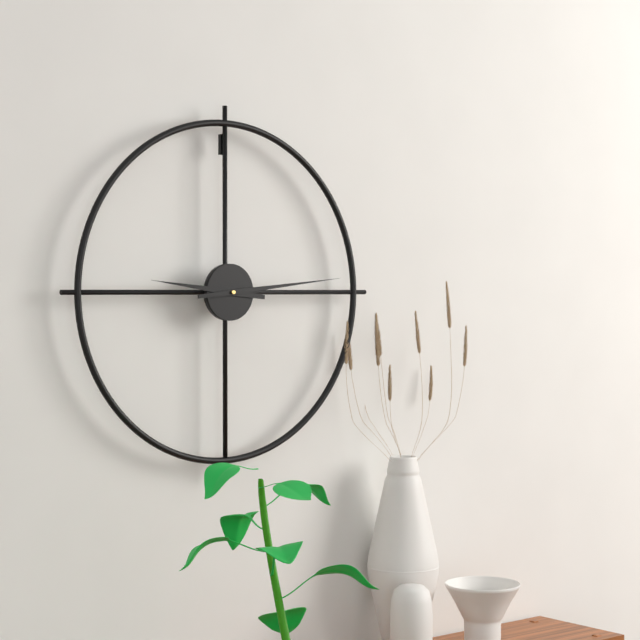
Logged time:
9h14
